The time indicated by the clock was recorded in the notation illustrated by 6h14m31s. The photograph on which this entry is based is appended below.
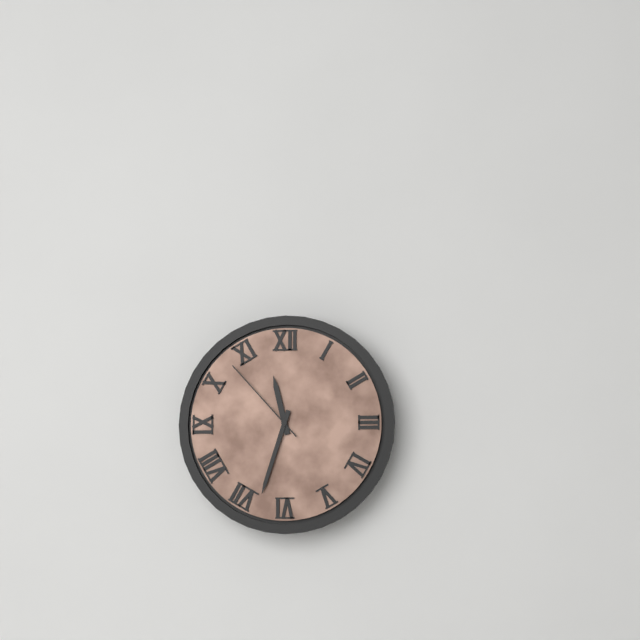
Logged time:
11h33m53s
